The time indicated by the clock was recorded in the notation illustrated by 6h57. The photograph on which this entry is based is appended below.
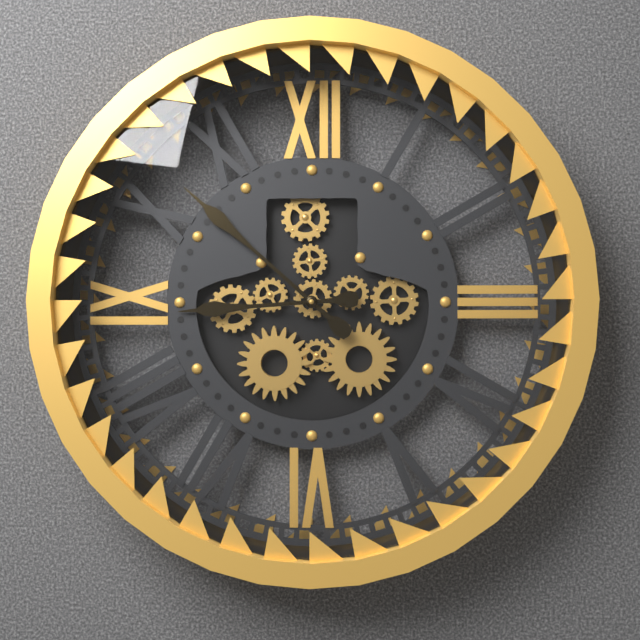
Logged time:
8h52
